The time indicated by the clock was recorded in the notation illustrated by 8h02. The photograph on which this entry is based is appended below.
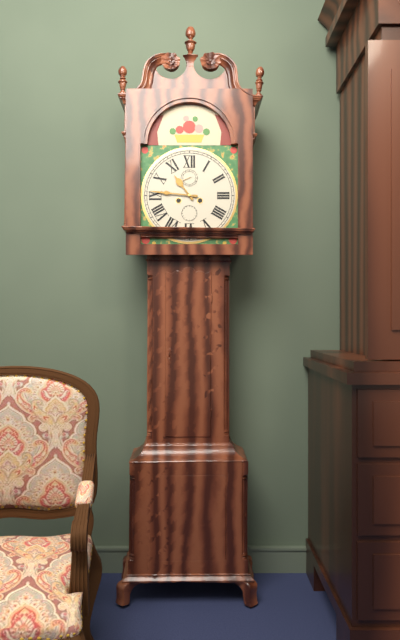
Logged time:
10h46
